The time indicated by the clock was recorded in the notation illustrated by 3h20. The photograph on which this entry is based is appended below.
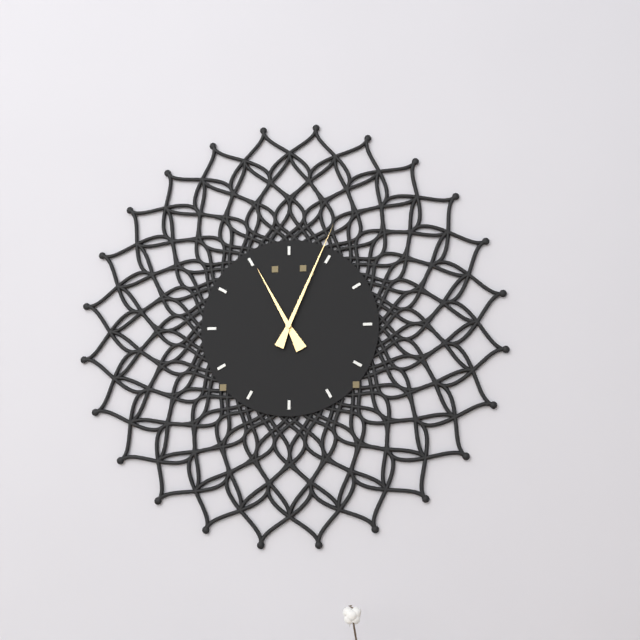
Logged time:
11h04
